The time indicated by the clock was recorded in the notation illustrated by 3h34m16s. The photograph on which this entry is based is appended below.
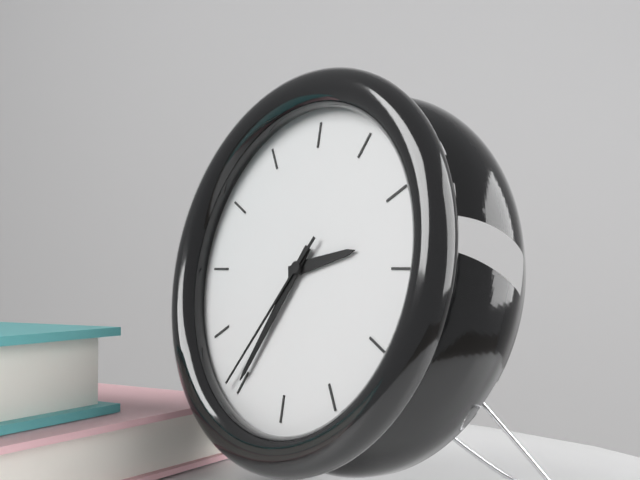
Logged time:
2h35m36s
